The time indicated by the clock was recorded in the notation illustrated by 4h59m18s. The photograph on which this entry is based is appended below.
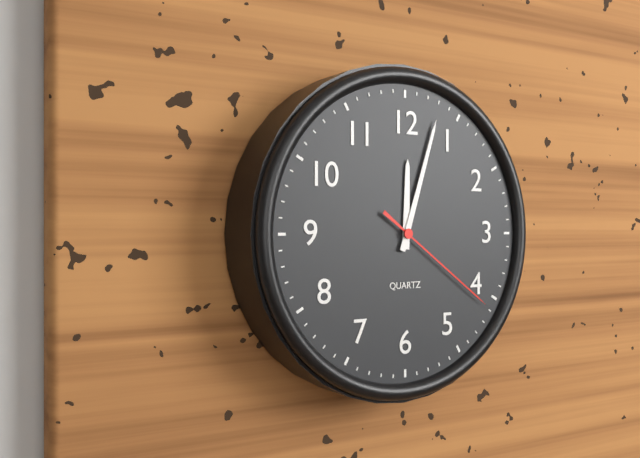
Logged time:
12h03m21s
